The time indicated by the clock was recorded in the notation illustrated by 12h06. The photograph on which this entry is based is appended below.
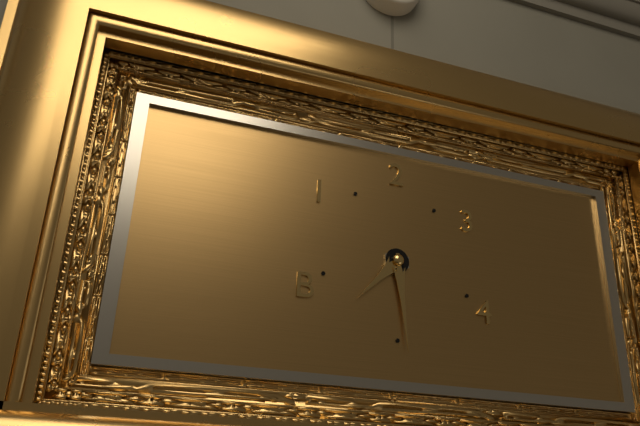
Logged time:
7h29
